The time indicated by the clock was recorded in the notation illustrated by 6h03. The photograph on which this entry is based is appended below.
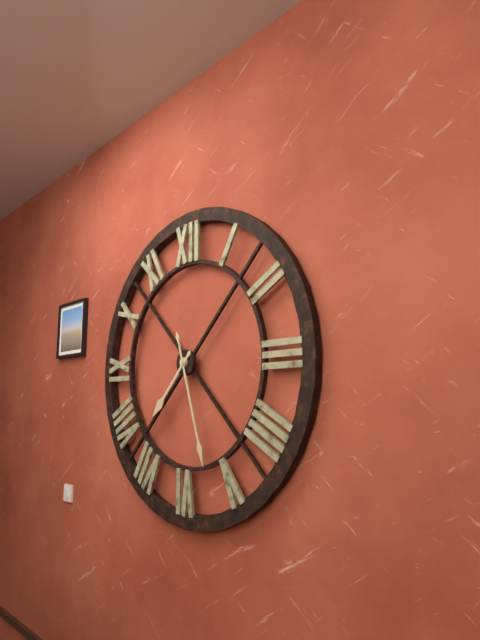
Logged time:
7h27
